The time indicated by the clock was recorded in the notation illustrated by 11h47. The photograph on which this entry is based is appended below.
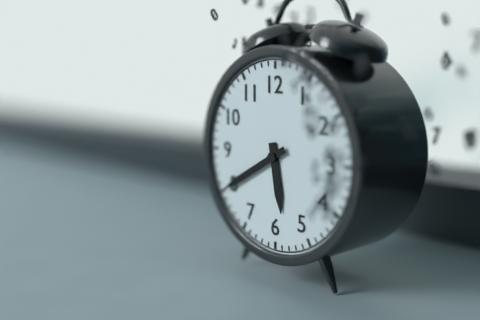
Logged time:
5h40
